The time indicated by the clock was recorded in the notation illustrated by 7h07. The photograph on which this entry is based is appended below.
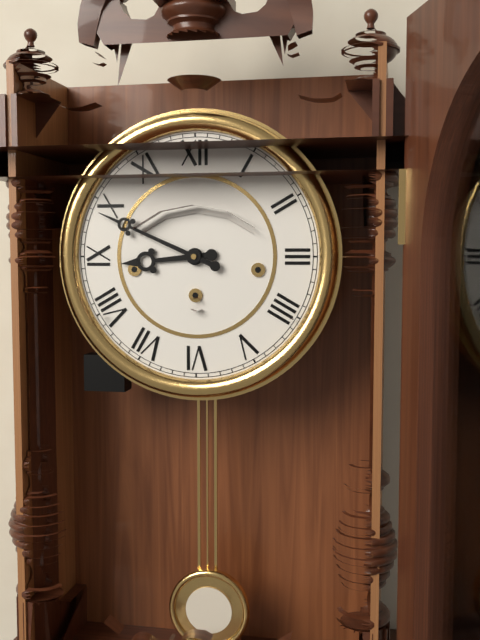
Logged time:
8h49
